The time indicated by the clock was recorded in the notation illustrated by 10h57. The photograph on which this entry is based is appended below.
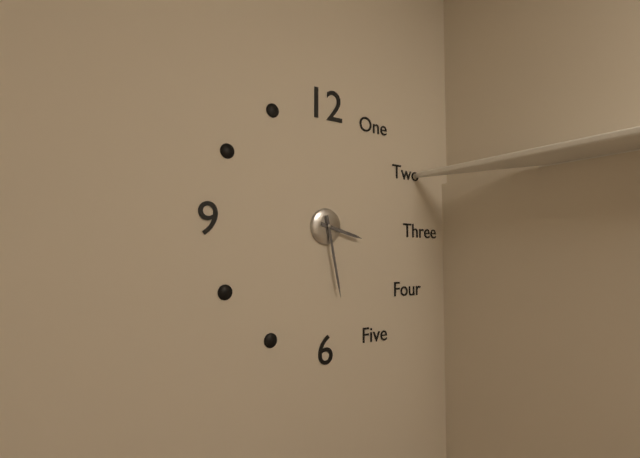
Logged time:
3h28
